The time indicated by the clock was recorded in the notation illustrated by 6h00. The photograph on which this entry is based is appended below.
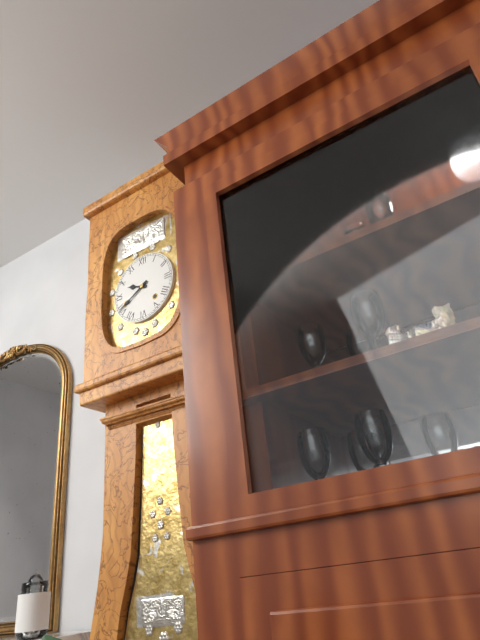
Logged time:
9h40
